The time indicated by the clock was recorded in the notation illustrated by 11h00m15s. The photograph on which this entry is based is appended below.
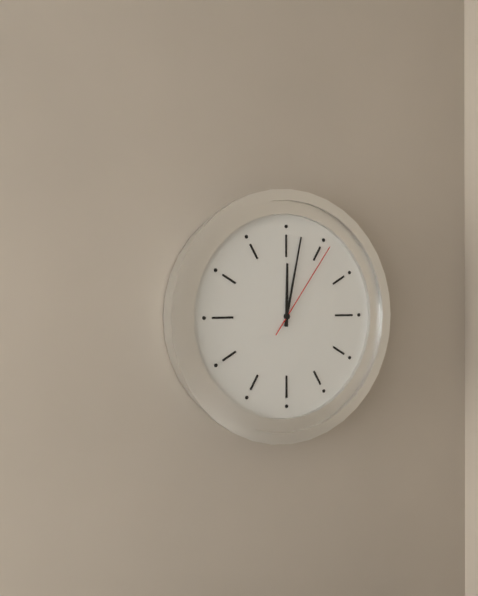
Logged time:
12h02m06s
